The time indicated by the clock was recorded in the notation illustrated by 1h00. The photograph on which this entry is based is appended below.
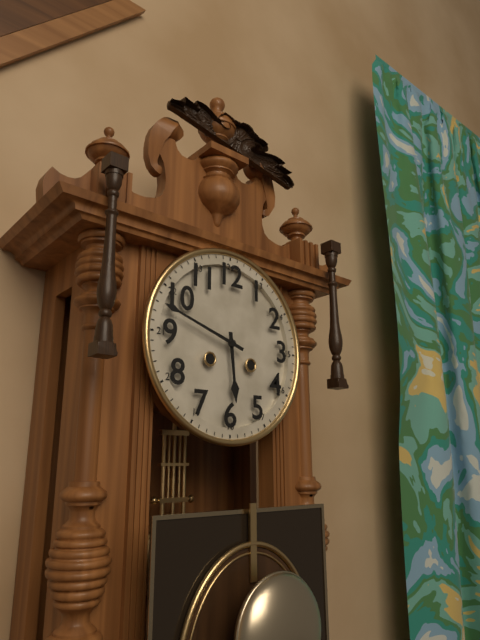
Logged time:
5h48
